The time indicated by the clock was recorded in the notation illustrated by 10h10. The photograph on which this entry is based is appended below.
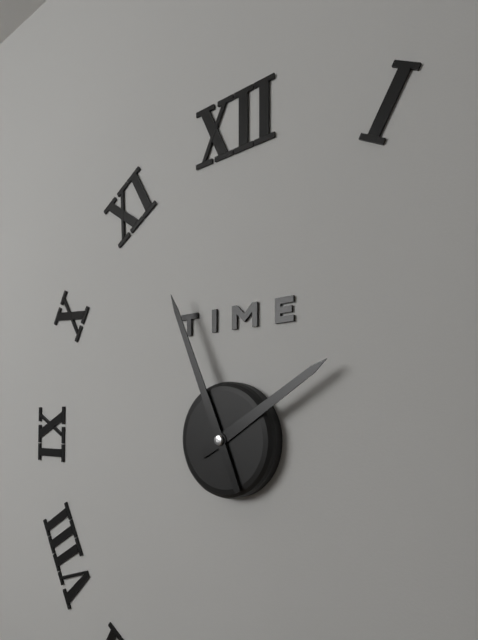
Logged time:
1h56
